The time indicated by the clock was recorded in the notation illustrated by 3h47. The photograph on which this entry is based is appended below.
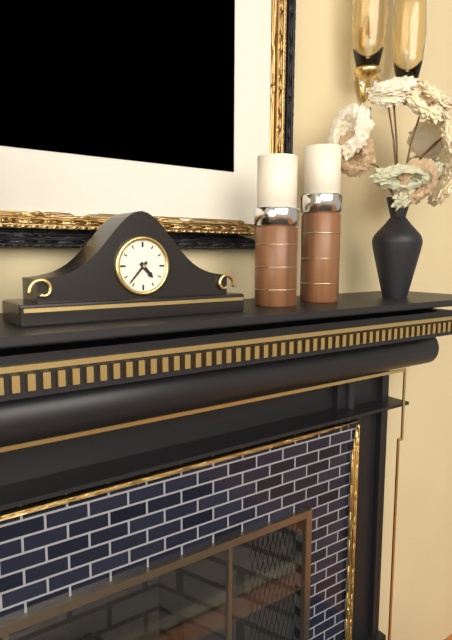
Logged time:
4h37
